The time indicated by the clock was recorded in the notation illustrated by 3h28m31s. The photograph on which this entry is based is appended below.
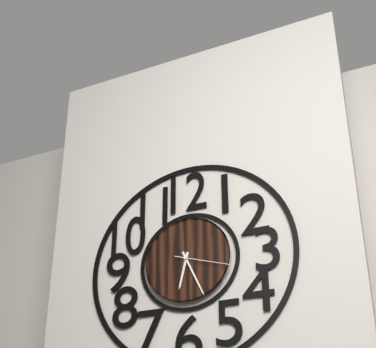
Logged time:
6h26m18s
